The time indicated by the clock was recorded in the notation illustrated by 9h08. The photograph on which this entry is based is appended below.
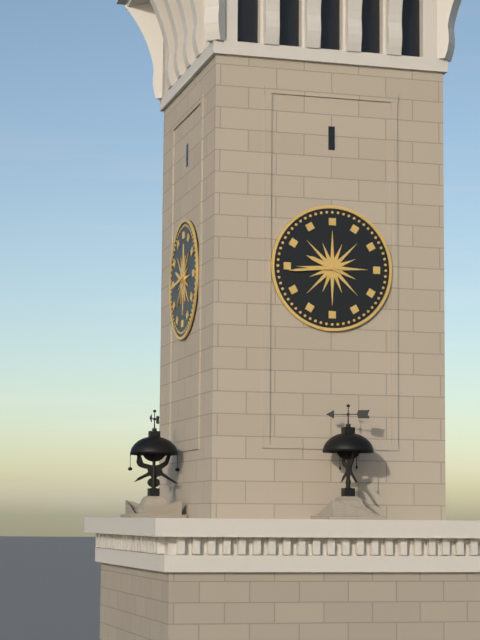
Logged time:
9h44
